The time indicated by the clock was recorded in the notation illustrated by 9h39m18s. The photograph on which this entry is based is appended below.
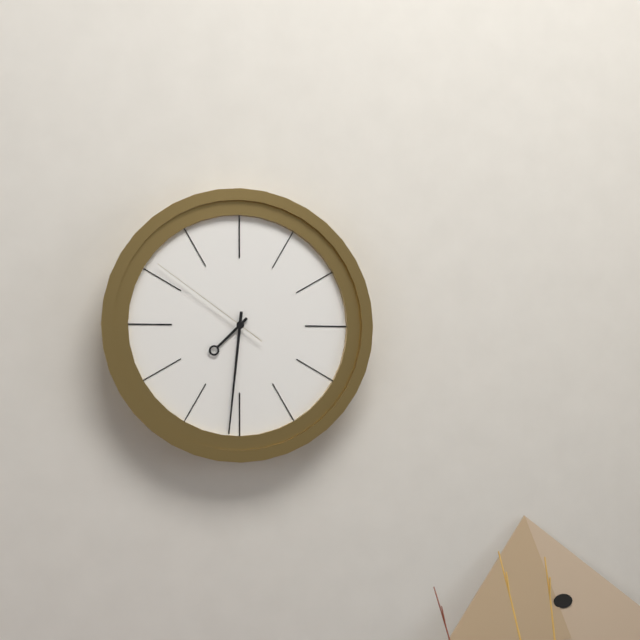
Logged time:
7h31m51s
